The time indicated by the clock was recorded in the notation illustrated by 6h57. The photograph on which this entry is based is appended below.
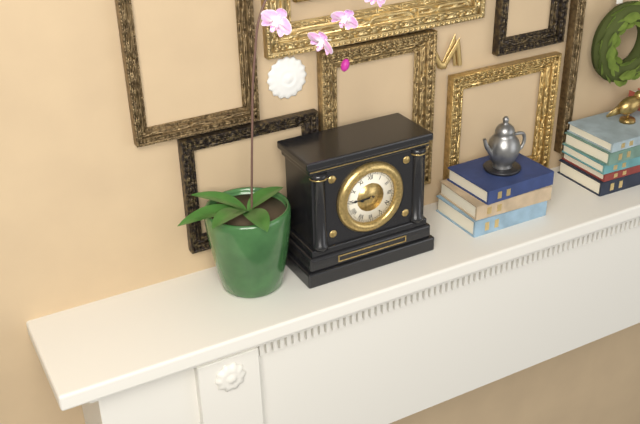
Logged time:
8h45
